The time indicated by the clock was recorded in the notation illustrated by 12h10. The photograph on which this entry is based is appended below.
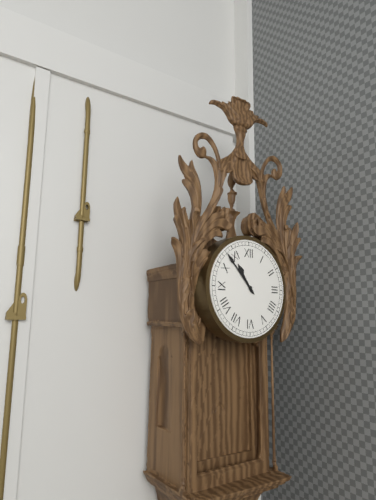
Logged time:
10h53
